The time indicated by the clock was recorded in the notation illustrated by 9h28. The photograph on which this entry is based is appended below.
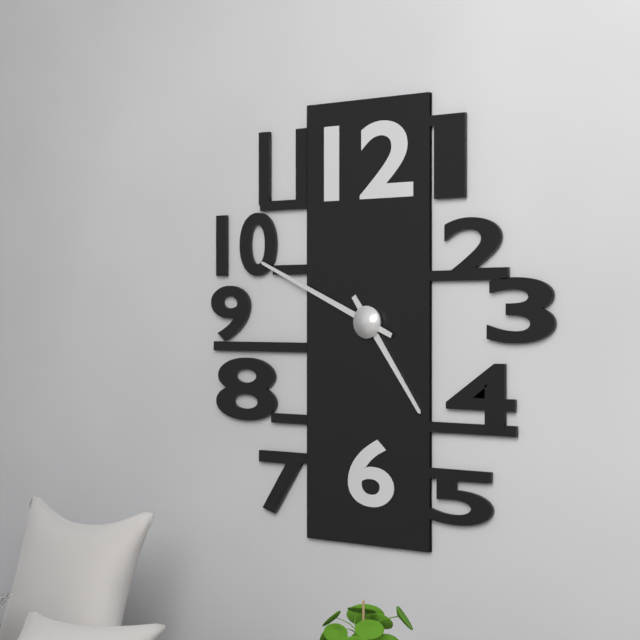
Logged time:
4h49
